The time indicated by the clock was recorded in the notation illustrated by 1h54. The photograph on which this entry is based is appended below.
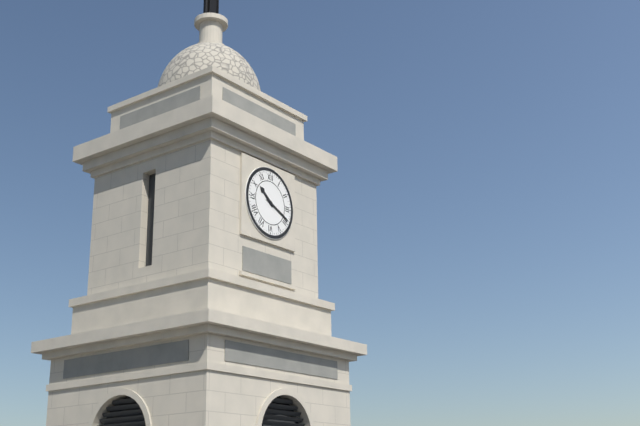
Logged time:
10h19
